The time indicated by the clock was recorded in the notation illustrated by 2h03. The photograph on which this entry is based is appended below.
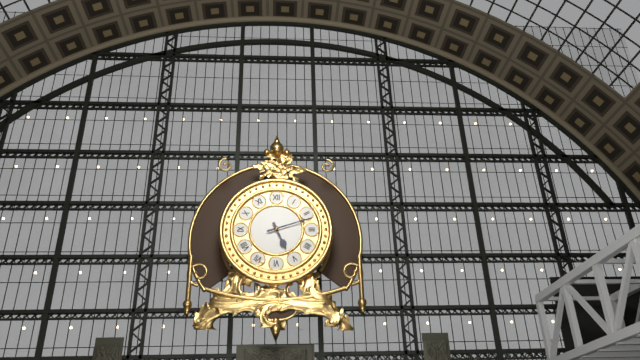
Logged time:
5h12
